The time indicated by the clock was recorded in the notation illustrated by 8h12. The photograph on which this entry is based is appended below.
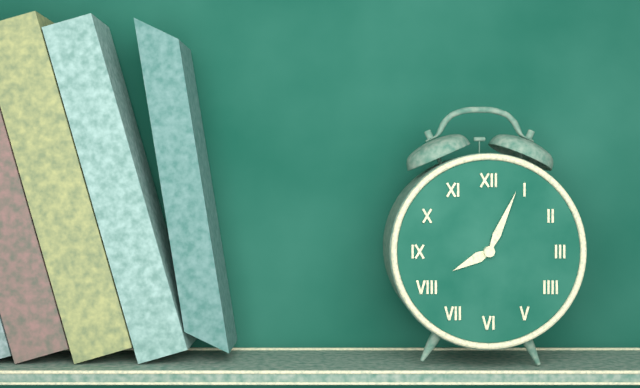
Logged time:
8h04
